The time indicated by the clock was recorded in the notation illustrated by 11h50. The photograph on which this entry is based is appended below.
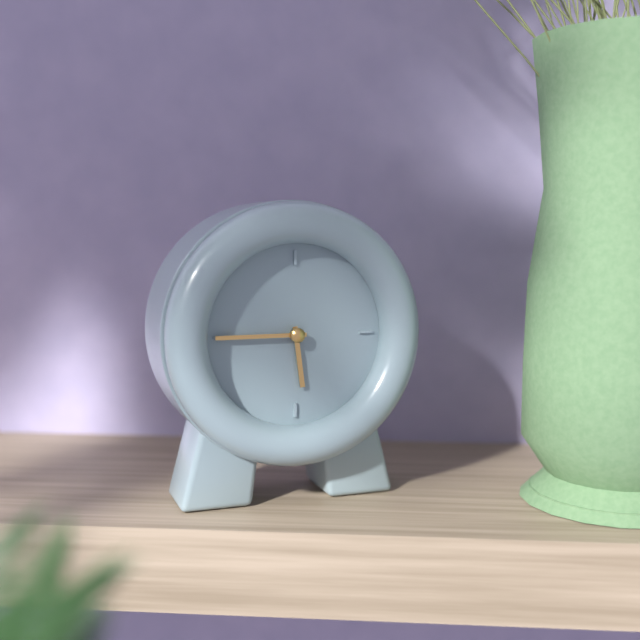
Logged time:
5h45
